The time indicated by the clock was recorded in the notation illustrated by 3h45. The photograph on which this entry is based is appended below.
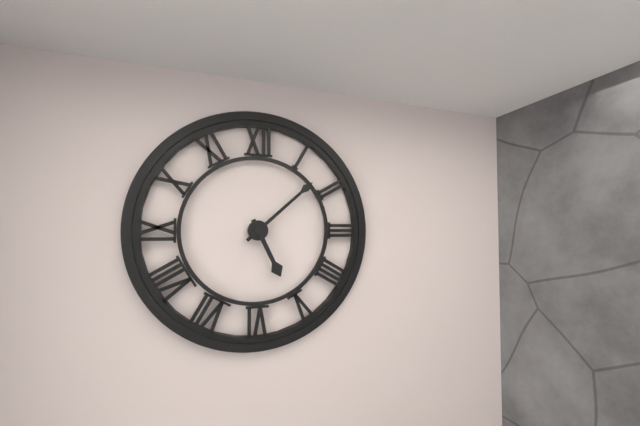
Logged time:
5h08
